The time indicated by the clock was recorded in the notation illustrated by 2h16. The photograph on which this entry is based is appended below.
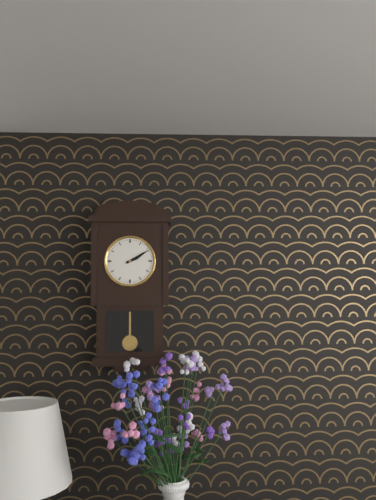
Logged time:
2h10
